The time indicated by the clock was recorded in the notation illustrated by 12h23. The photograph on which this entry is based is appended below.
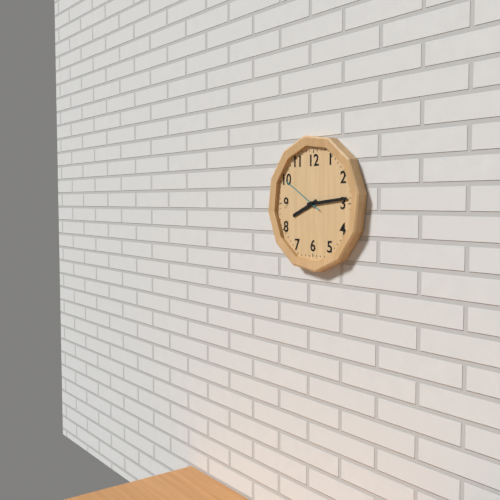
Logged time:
8h14
